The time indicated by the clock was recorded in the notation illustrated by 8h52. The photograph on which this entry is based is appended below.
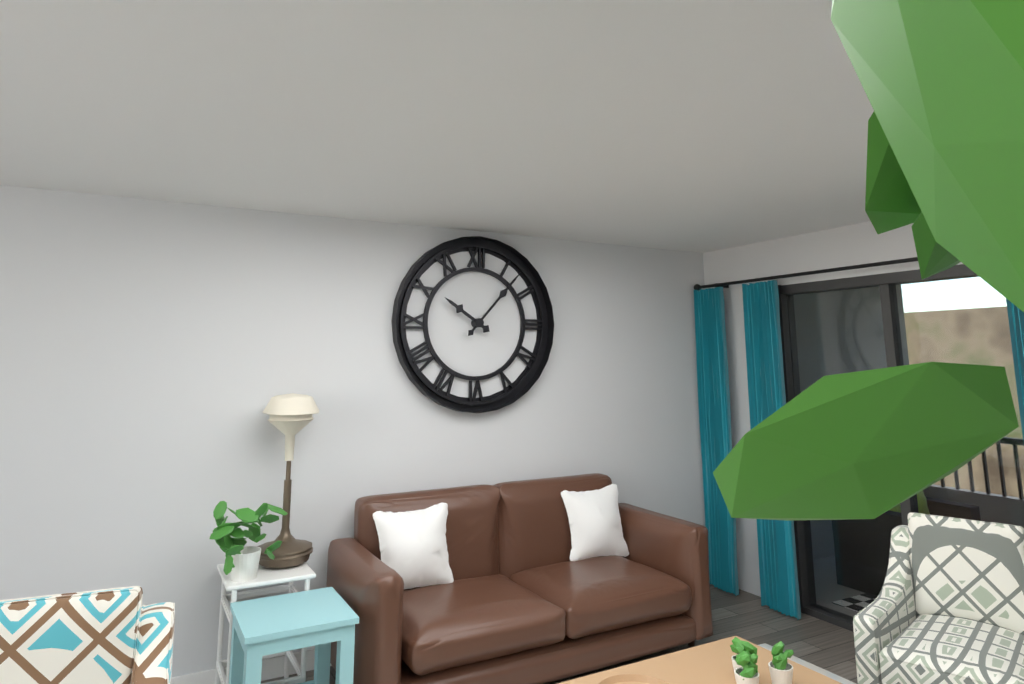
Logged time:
10h07
